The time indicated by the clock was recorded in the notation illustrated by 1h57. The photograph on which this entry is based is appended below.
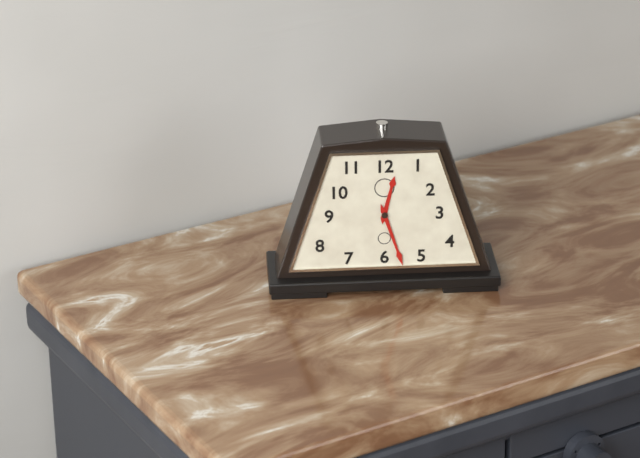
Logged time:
12h27
